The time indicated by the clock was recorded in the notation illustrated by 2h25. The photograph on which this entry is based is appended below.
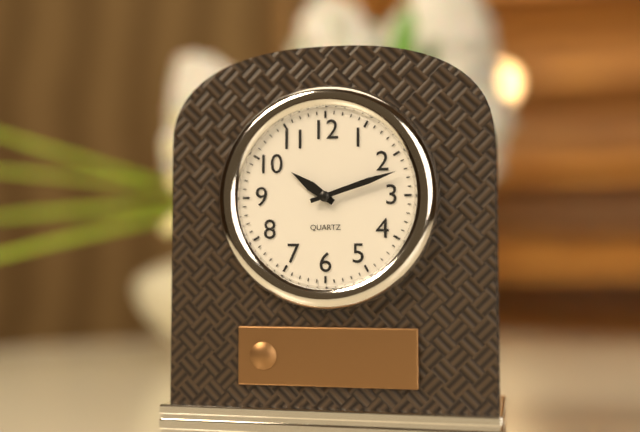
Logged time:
10h12
